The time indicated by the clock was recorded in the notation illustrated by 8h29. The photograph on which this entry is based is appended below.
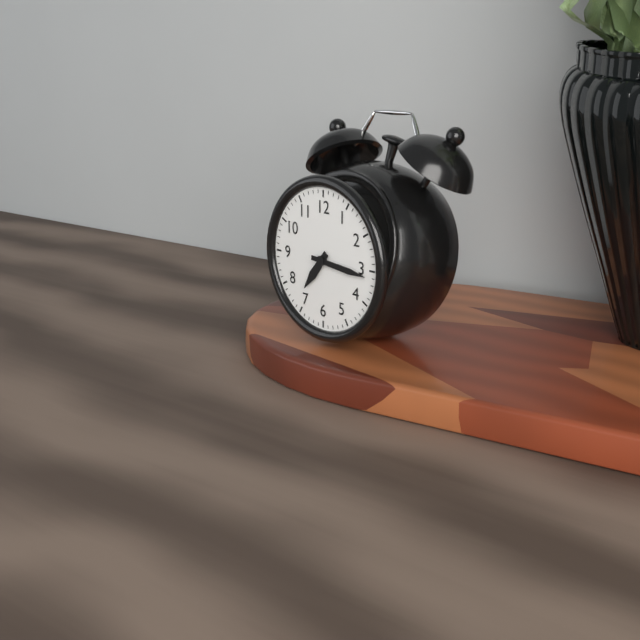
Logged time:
7h16
